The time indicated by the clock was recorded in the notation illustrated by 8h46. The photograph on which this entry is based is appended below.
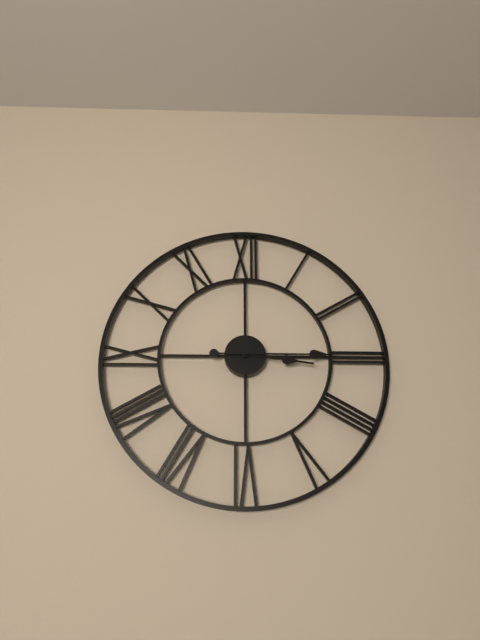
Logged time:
3h15
